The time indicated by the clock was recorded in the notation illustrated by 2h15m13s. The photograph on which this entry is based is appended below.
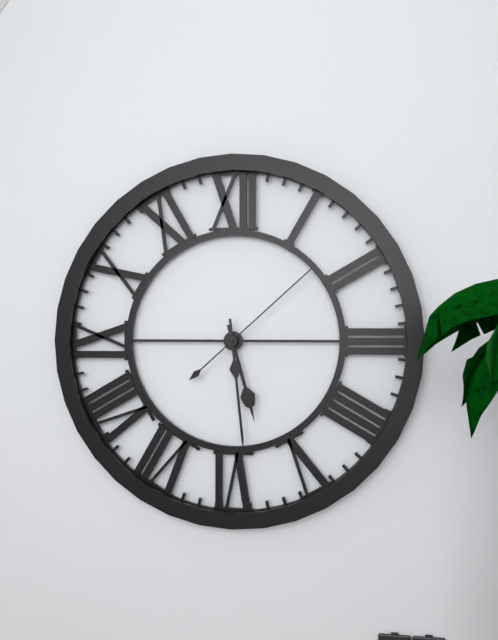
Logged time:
5h29m08s
